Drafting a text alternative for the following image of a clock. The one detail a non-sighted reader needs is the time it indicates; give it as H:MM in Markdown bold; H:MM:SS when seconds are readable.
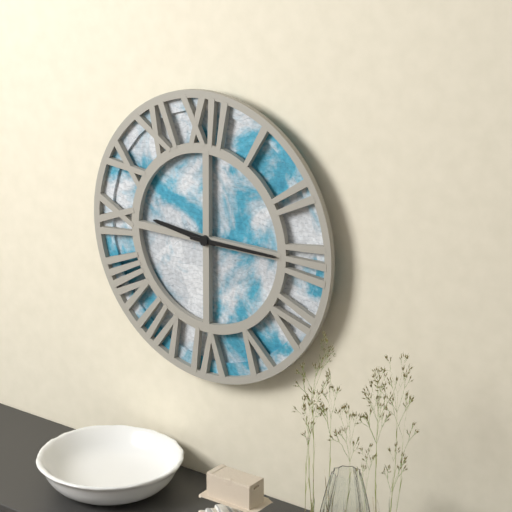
**9:15**
